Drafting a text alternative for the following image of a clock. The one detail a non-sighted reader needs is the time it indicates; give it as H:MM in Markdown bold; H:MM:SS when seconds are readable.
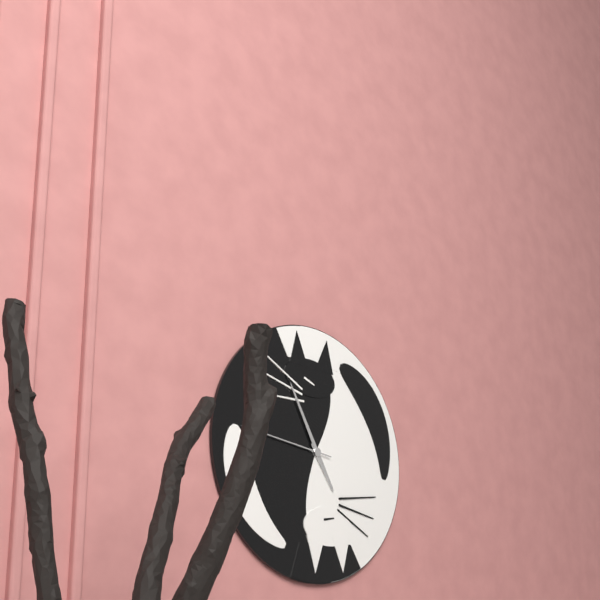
**4:55:46**
